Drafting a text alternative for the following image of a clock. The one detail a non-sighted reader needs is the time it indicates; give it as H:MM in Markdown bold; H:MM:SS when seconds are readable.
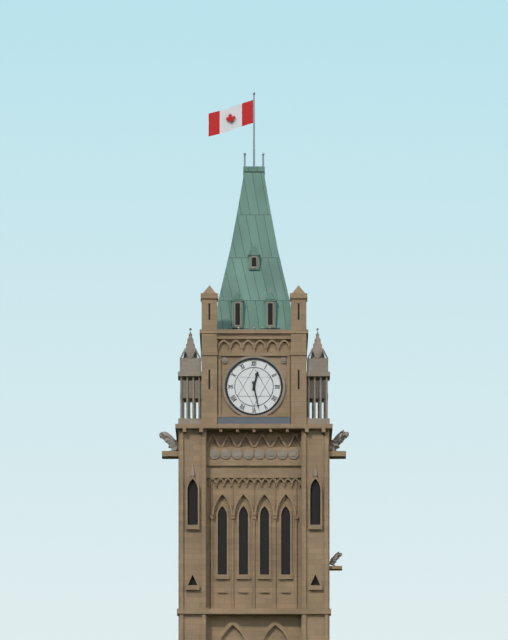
**12:28**
